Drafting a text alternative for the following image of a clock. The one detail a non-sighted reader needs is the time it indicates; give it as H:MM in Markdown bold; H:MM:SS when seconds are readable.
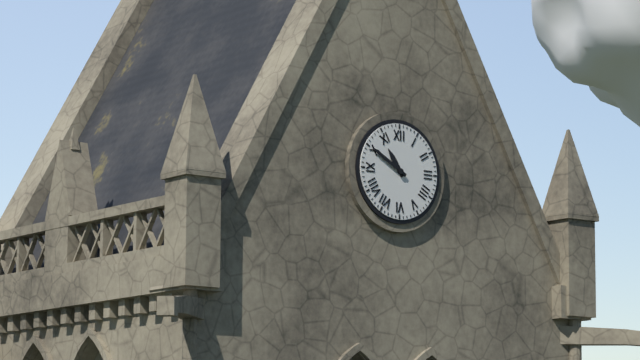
**10:50**
